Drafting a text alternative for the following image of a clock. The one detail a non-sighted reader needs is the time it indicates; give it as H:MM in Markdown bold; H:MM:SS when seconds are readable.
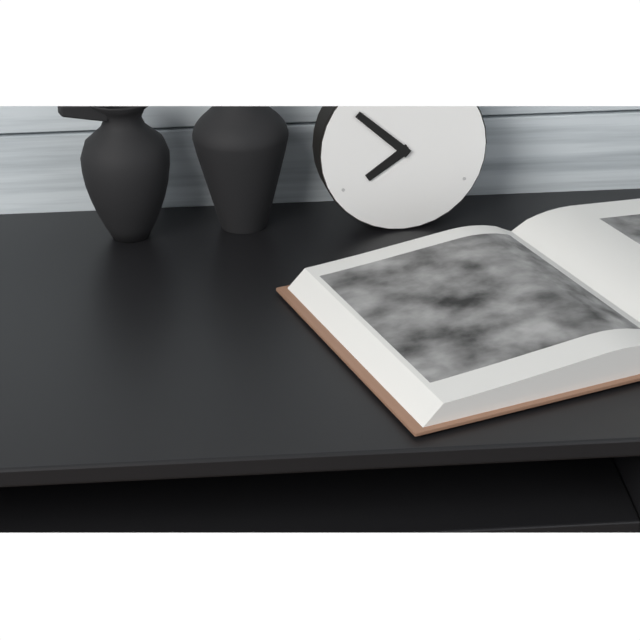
**7:52**
